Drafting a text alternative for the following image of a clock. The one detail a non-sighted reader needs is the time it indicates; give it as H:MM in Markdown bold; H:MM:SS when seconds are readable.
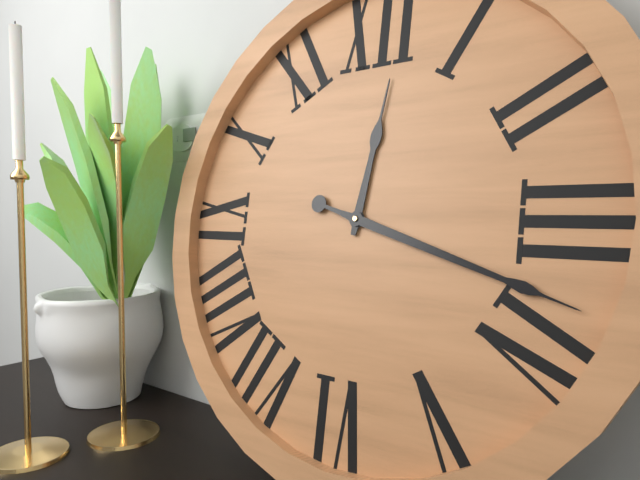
**12:18**
